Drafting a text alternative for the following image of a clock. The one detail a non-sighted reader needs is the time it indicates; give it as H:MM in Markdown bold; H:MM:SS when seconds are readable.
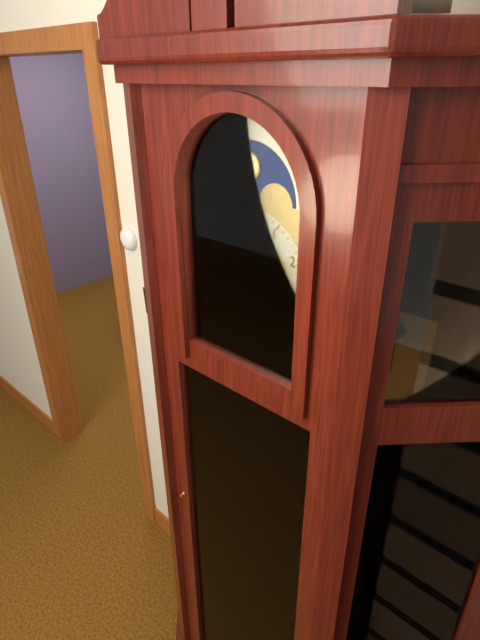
**6:59**
